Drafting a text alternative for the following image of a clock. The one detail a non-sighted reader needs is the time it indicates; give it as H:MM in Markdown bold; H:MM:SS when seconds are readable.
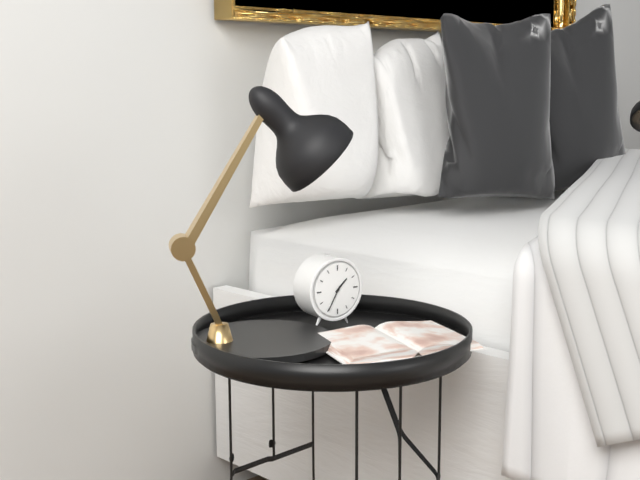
**1:35**
